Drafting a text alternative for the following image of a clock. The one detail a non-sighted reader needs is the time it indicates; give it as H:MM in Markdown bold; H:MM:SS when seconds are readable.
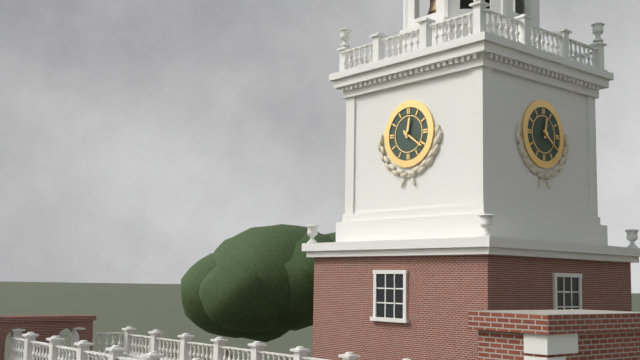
**12:21**
